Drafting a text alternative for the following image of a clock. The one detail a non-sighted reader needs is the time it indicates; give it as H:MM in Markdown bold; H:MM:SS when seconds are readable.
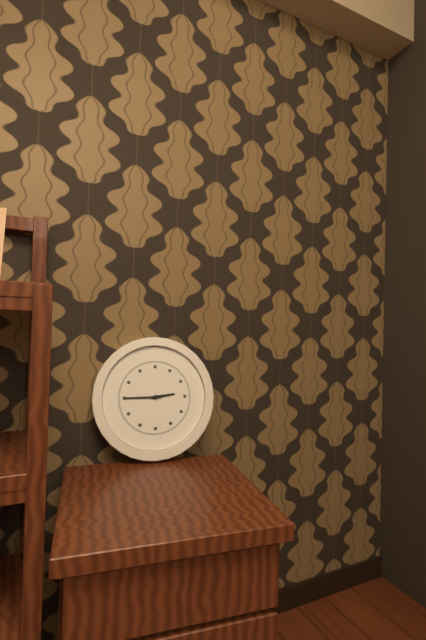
**2:45**
